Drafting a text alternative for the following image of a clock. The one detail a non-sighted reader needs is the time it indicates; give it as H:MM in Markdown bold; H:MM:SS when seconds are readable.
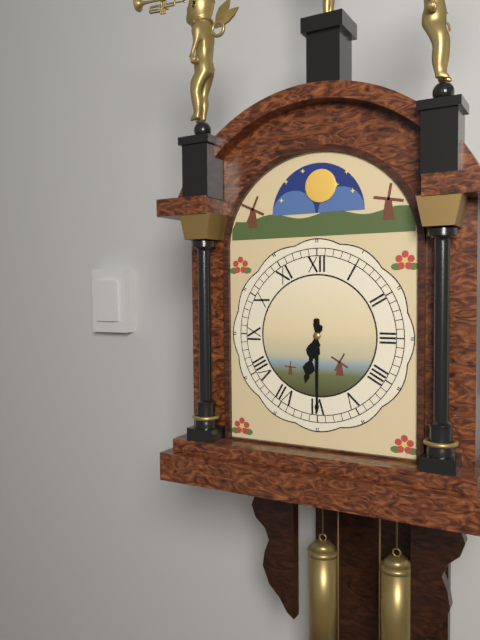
**6:30**
